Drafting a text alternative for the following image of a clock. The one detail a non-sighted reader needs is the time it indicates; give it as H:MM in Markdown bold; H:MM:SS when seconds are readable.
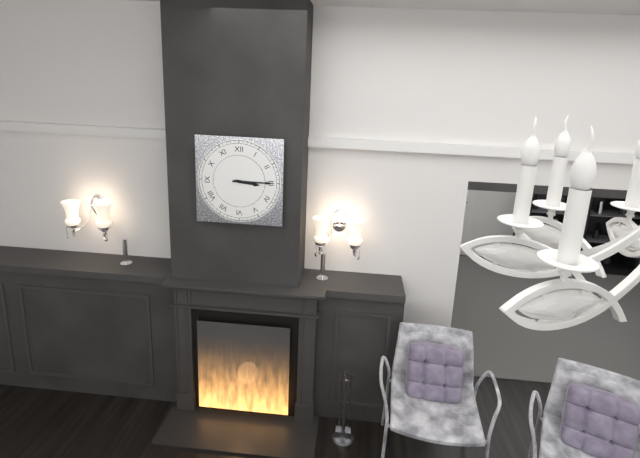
**3:15**
